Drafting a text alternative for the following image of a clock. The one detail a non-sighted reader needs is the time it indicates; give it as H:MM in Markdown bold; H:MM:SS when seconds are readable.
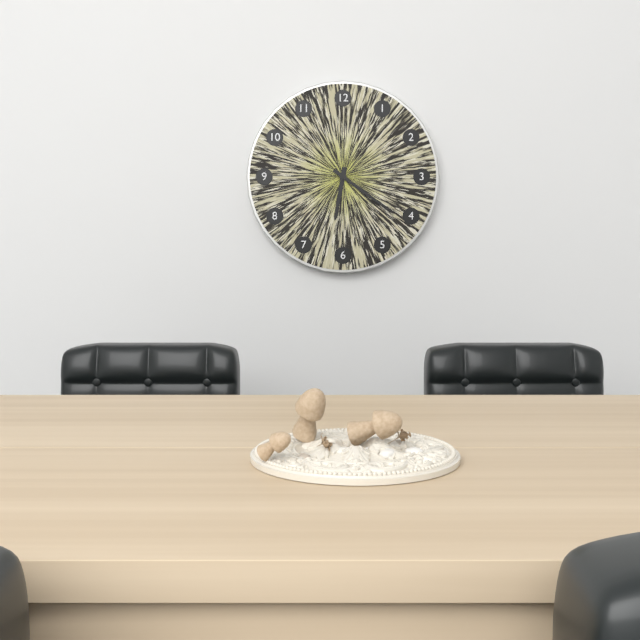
**6:21**
